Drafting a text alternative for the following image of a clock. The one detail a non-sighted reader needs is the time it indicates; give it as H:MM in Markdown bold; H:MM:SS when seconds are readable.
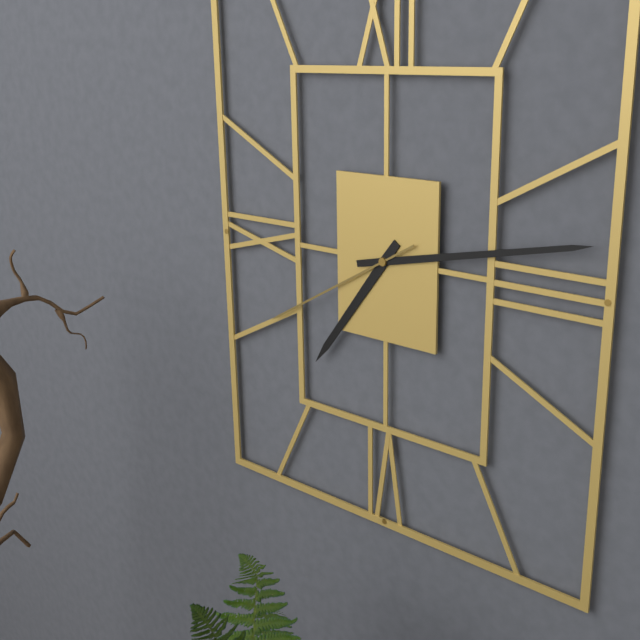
**7:13:40**
